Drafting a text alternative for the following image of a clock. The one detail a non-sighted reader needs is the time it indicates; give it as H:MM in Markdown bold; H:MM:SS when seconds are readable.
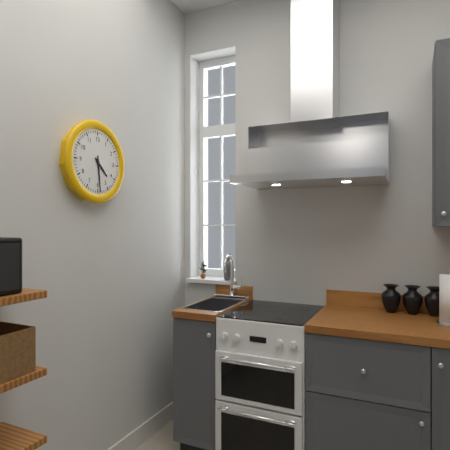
**4:29**
